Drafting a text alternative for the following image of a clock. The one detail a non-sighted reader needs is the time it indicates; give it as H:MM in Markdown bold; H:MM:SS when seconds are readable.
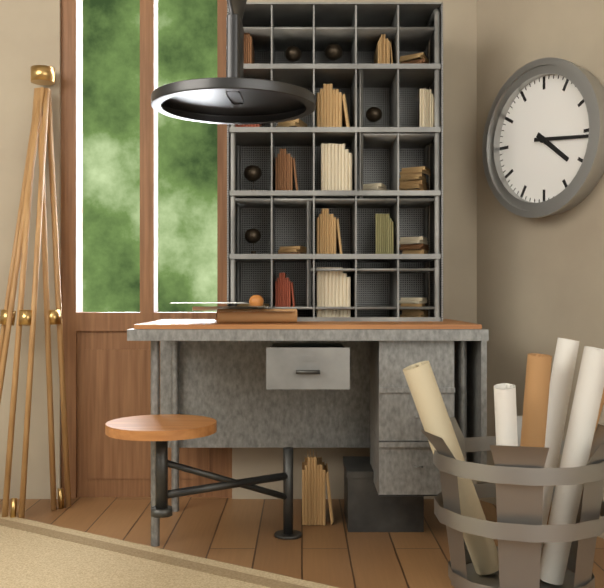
**4:16**
